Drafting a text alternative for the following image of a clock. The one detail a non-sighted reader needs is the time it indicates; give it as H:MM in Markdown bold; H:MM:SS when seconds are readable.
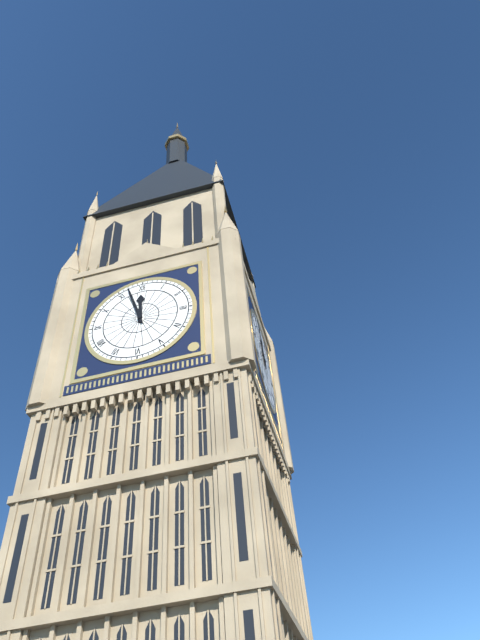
**11:57**
